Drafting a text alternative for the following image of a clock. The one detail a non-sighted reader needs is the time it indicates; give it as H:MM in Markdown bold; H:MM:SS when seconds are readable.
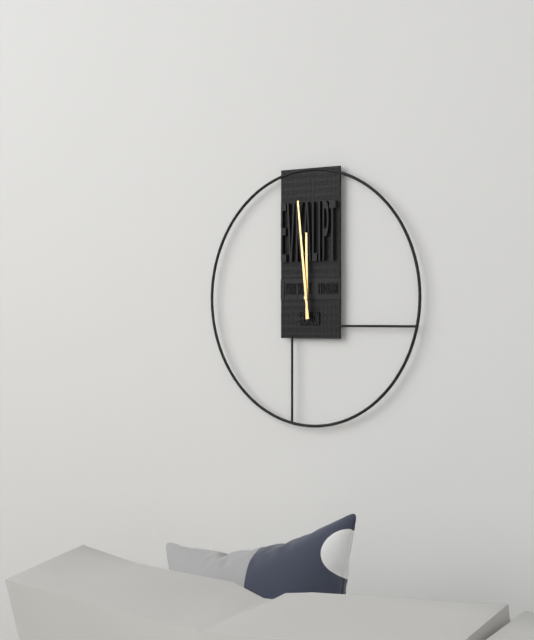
**11:59**
